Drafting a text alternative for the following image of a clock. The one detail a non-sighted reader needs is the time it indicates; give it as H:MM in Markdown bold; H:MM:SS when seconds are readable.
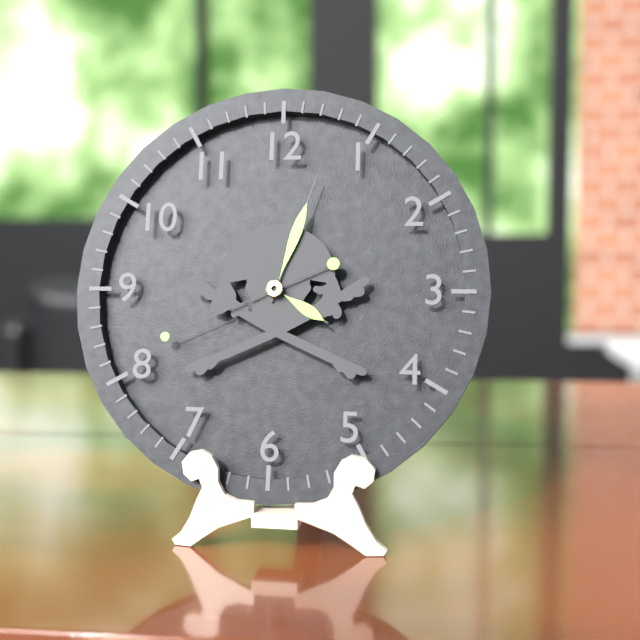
**4:03:41**
